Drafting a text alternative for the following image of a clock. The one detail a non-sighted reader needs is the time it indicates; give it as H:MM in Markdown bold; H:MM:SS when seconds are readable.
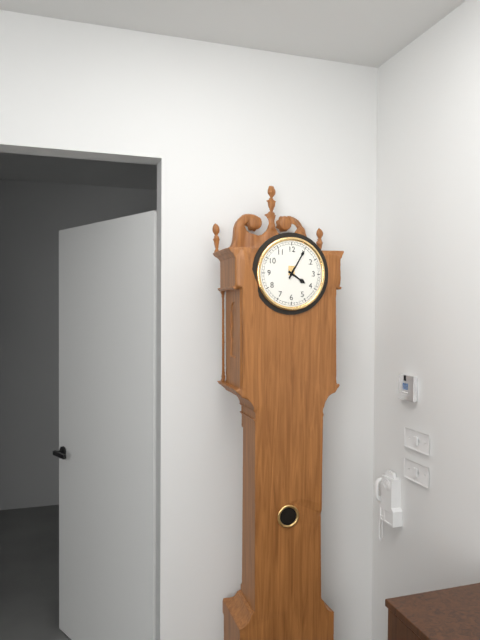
**4:05**
